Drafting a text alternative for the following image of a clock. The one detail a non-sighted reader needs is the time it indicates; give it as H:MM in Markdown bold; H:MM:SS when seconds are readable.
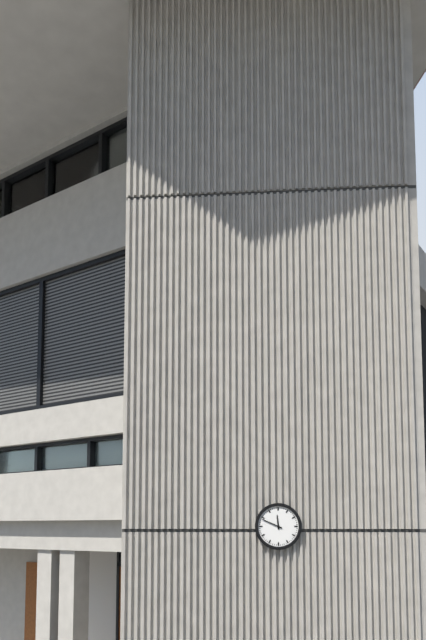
**11:49**
